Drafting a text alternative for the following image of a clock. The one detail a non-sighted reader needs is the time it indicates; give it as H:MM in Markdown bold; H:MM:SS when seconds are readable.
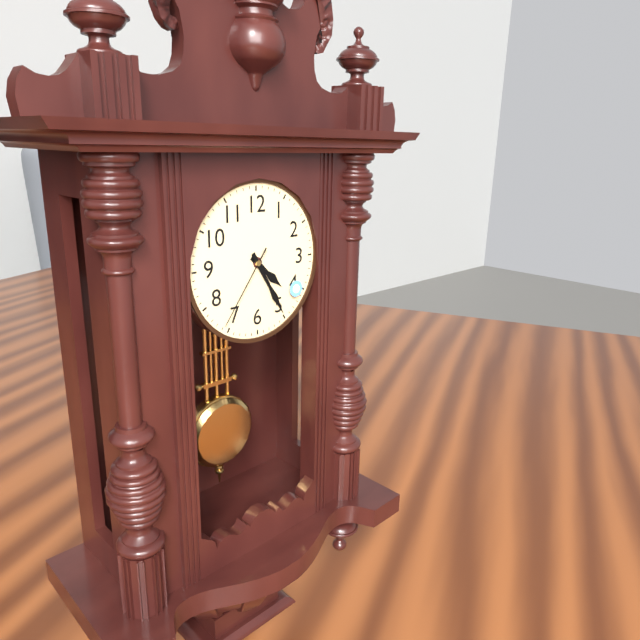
**4:25:36**
